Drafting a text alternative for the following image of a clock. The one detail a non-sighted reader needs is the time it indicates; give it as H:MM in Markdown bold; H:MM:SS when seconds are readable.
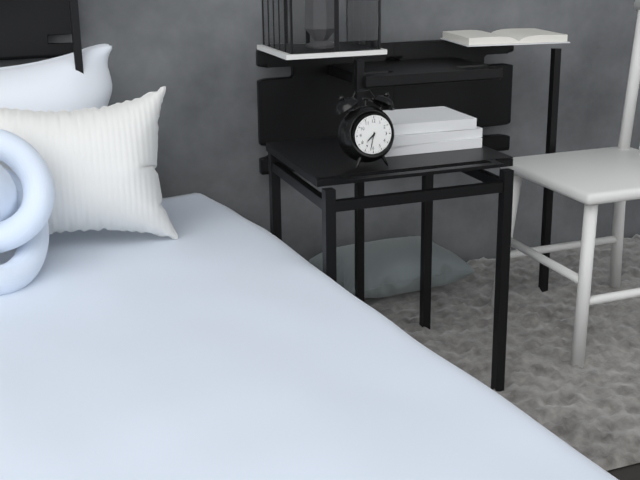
**7:32**
